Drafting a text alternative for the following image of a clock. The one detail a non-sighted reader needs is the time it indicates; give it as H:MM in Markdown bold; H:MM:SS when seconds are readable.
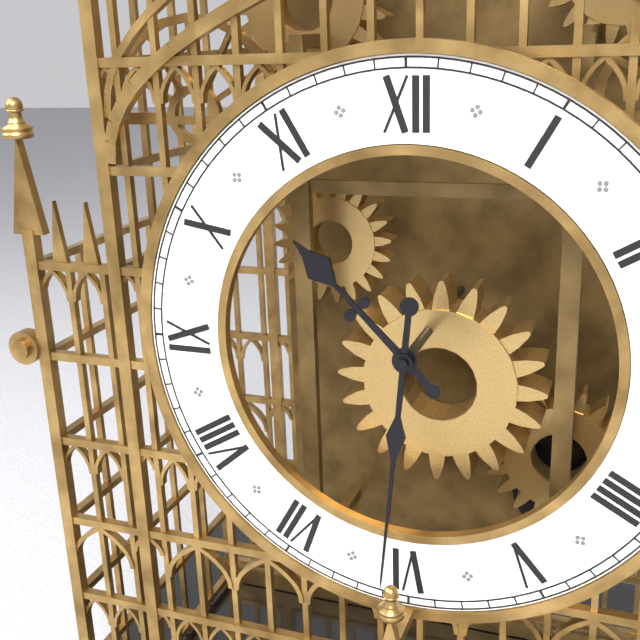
**10:31**
